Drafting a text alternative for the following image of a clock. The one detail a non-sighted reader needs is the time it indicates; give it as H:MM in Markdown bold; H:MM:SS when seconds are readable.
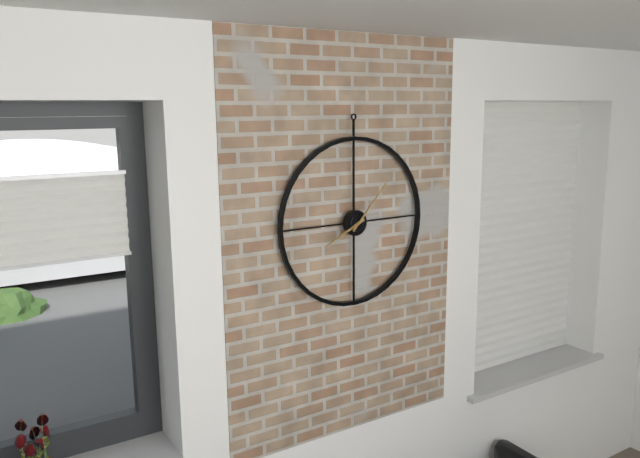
**8:07**
